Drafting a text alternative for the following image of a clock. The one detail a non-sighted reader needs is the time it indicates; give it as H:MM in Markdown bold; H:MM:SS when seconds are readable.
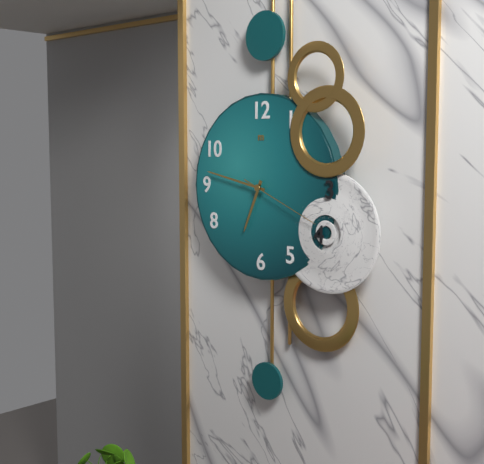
**6:47:19**
